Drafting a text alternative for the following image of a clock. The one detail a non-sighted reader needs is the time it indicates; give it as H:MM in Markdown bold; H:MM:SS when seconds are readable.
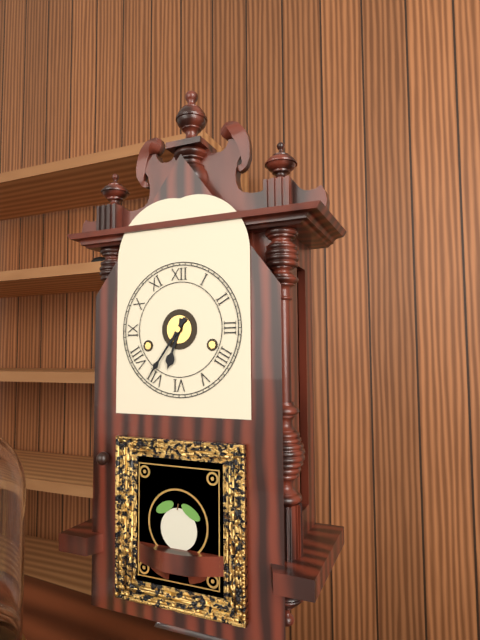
**6:36**
